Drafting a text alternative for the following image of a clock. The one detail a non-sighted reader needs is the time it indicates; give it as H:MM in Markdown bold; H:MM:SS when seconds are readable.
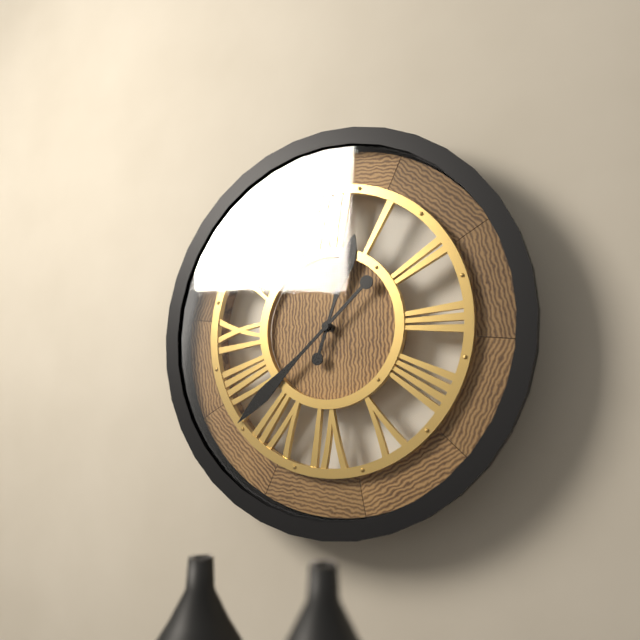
**12:38**
